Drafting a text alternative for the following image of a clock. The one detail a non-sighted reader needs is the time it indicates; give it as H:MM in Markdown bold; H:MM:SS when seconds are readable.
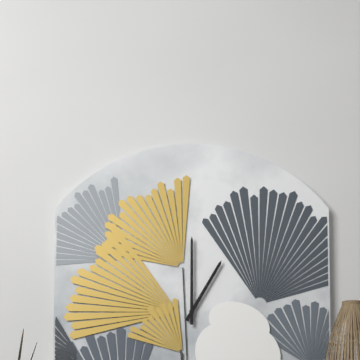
**1:00**
